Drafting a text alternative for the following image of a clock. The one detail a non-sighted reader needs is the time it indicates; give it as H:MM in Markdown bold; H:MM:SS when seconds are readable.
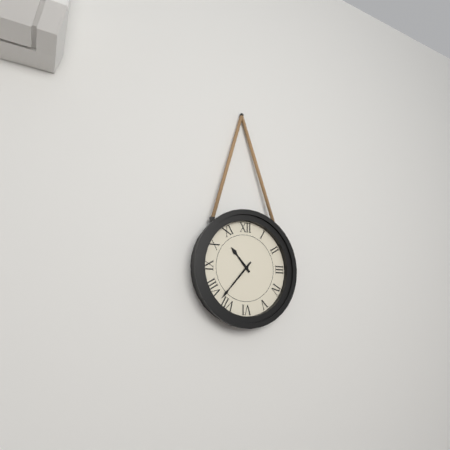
**10:37**
